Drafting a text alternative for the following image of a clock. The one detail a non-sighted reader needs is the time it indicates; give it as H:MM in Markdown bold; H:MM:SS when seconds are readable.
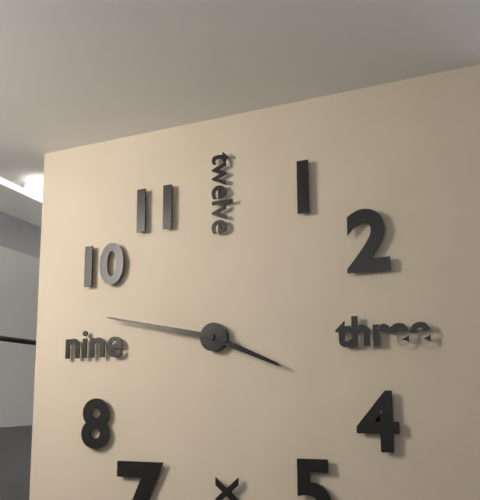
**3:47**
